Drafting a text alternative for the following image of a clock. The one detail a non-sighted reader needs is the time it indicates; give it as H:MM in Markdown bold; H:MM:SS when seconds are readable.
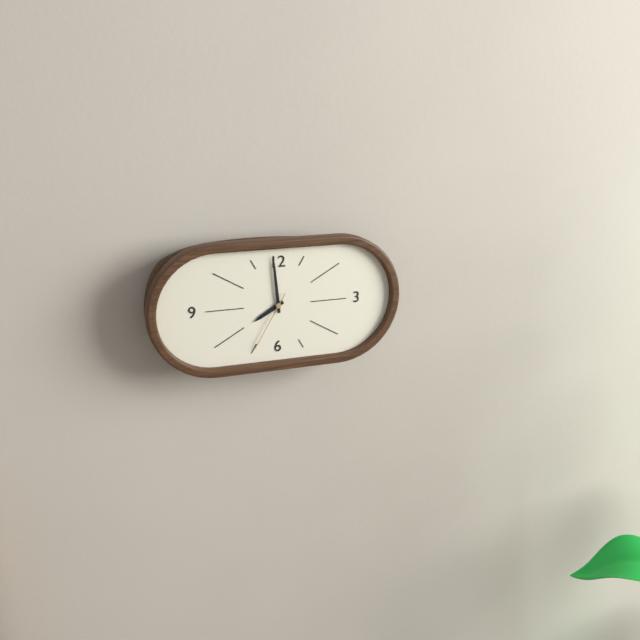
**7:59:35**
